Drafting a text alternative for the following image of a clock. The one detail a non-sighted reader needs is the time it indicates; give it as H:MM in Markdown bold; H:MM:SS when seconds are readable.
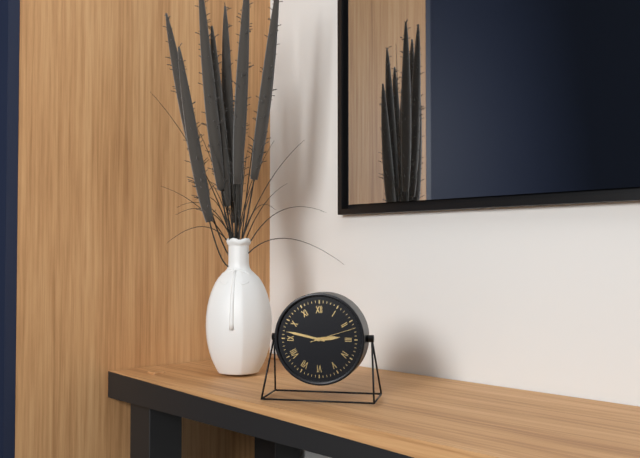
**2:47**
